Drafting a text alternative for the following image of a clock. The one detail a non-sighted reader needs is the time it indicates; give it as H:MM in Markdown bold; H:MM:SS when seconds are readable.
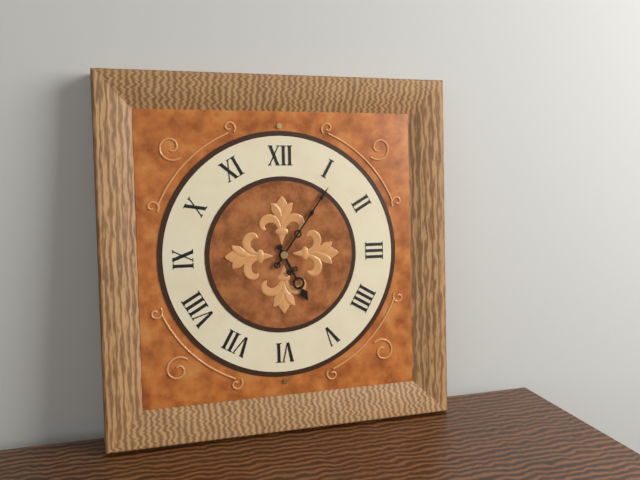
**5:06**
